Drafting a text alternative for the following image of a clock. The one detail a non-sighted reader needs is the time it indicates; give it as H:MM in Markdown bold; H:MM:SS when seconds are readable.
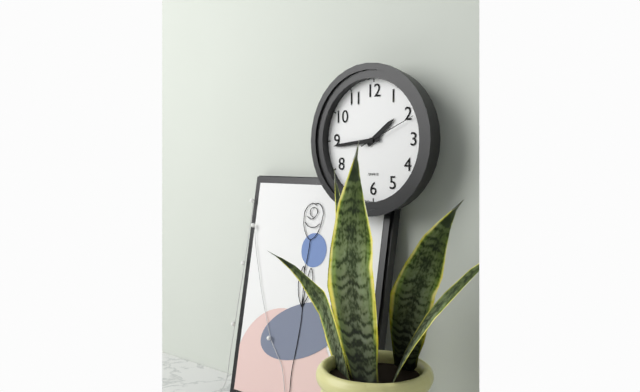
**1:44:11**
